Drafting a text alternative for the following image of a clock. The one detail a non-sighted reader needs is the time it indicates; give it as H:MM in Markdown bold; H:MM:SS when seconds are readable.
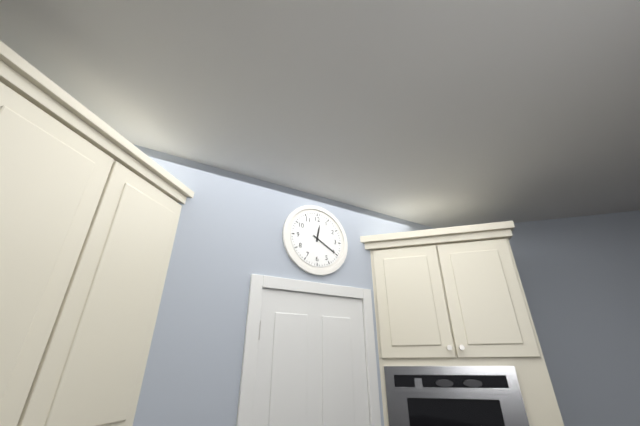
**12:20**
